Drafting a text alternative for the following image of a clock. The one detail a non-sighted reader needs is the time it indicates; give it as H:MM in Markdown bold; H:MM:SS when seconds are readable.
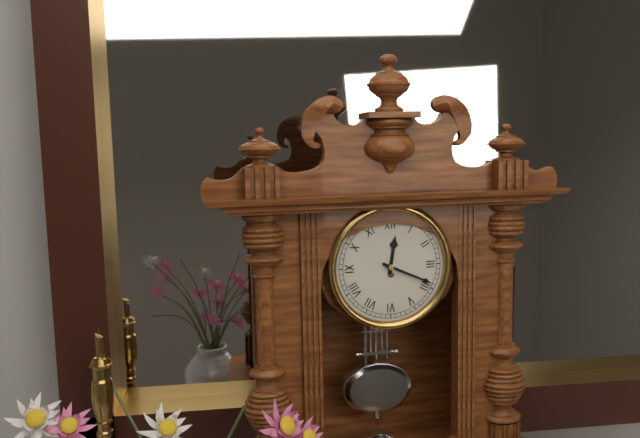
**12:19**
